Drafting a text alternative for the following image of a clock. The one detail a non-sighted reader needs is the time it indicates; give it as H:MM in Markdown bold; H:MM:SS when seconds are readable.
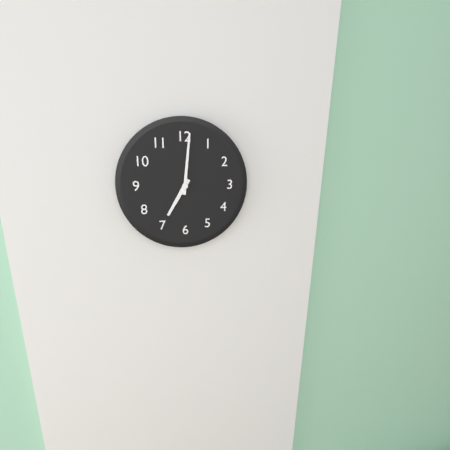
**7:01**
